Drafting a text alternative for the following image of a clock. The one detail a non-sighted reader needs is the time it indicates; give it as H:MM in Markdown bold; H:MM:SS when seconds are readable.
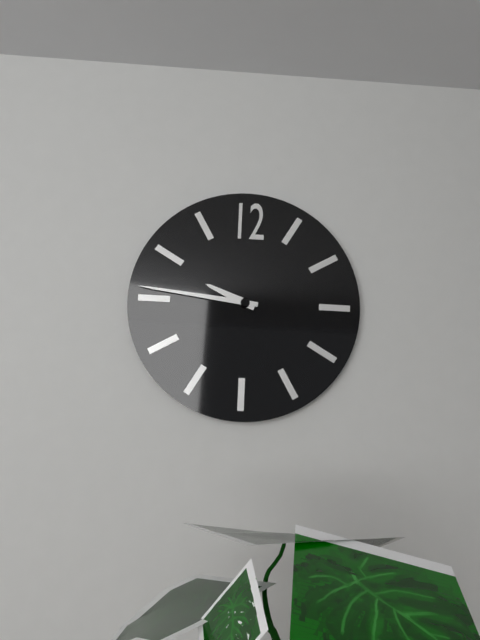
**9:46**
